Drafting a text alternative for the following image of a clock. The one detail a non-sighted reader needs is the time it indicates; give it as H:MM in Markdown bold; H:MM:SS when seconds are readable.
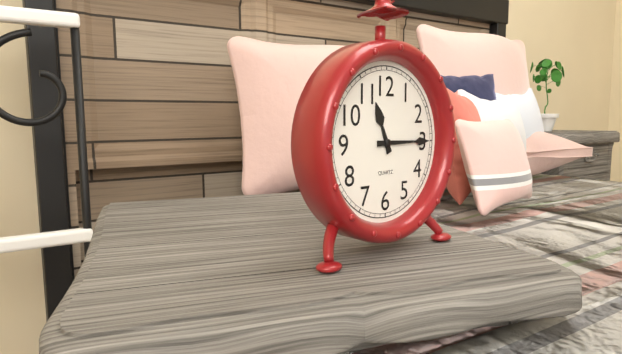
**11:15**
